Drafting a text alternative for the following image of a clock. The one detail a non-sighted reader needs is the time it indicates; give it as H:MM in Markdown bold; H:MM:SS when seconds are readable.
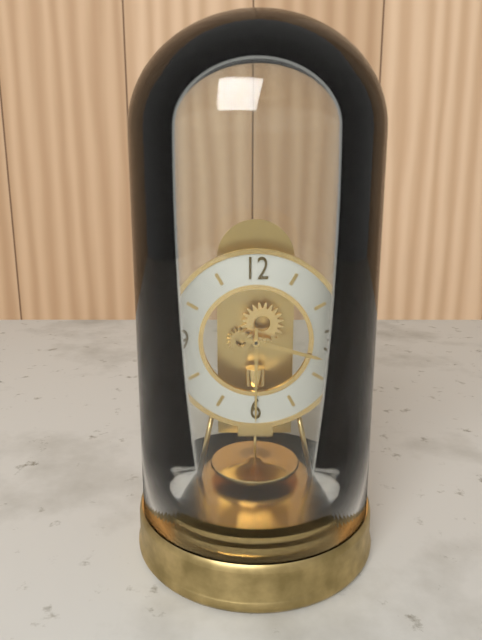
**3:30**
